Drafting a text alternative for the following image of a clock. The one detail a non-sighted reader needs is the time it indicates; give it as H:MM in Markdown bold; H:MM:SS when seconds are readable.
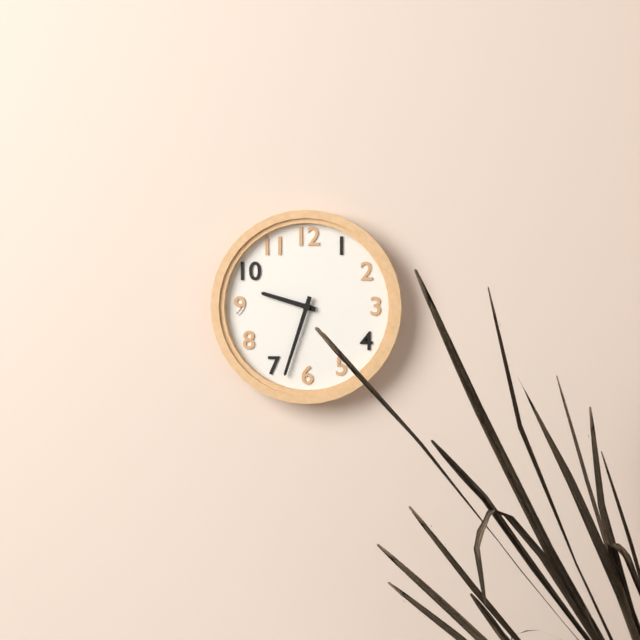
**9:33**
